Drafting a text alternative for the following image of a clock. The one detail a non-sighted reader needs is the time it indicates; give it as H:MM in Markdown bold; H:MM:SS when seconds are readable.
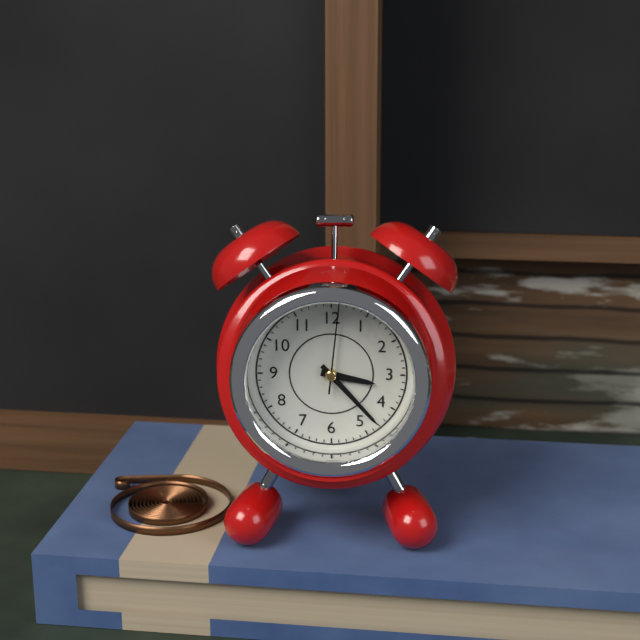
**3:23:01**
